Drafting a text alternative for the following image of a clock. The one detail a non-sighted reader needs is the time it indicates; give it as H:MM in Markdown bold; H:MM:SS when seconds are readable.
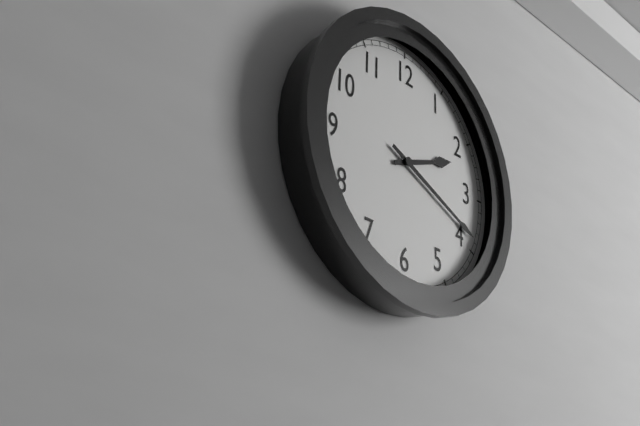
**2:19**
